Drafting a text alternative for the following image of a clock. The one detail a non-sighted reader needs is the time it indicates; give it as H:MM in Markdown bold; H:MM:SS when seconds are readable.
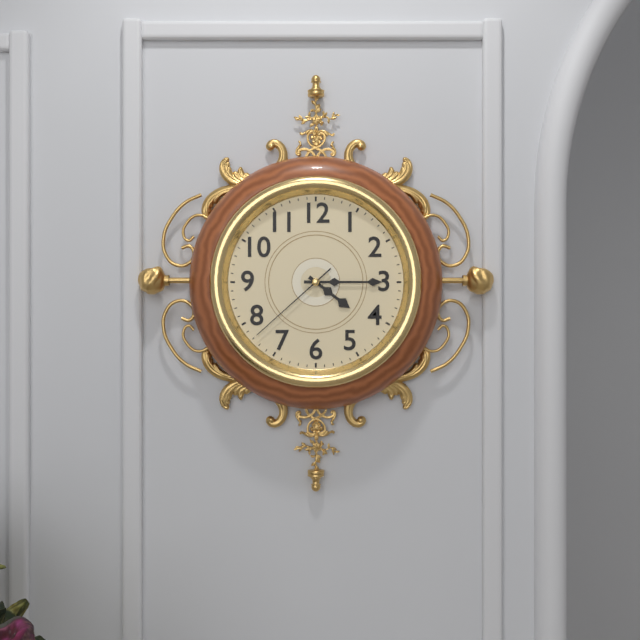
**4:15:38**
